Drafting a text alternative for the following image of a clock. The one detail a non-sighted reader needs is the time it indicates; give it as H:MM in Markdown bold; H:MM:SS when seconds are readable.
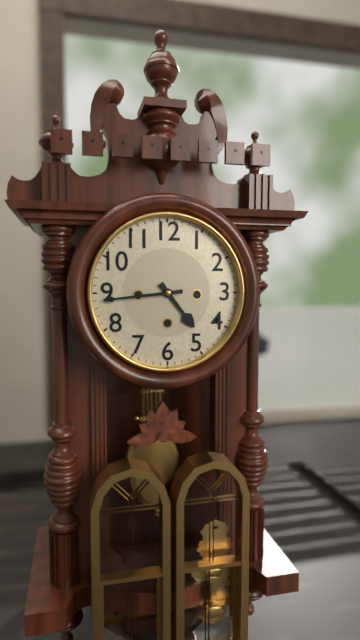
**4:44**
